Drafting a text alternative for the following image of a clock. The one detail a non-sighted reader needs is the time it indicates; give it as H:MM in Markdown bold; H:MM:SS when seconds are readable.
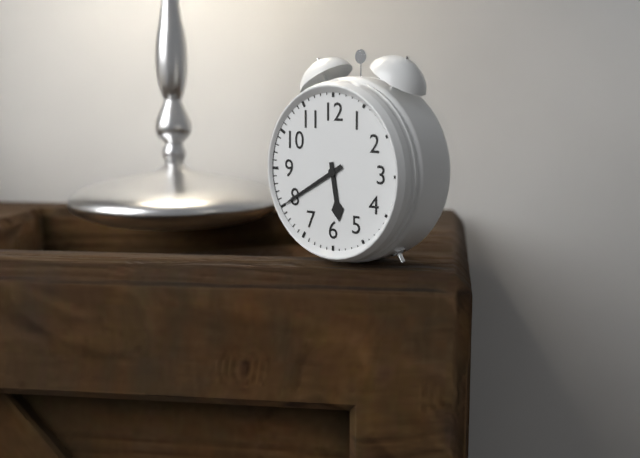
**5:40**
